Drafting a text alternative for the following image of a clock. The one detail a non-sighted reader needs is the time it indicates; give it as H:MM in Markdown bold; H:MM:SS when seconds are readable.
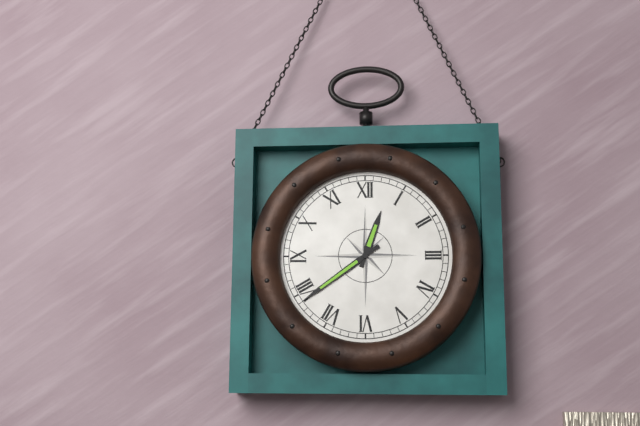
**12:39**
